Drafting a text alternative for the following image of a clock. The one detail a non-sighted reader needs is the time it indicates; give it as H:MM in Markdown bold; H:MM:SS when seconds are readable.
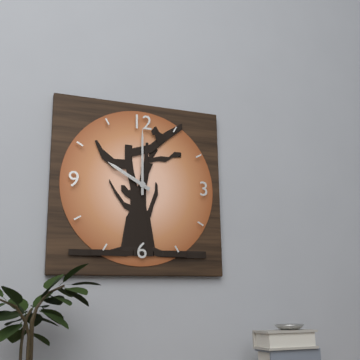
**10:00**
